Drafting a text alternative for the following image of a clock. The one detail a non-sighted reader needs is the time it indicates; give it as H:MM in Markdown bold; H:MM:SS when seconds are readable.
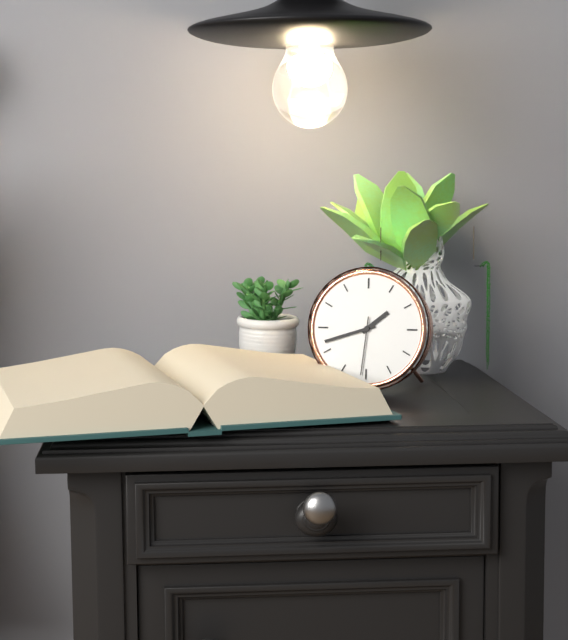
**1:42:31**
